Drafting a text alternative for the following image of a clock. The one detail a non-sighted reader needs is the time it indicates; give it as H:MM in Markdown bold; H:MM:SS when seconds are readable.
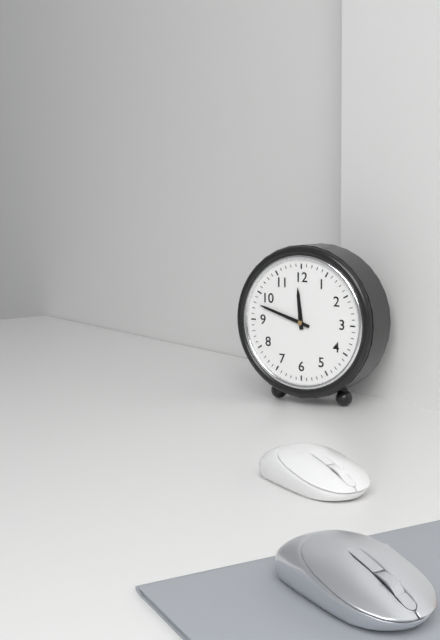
**11:48**
